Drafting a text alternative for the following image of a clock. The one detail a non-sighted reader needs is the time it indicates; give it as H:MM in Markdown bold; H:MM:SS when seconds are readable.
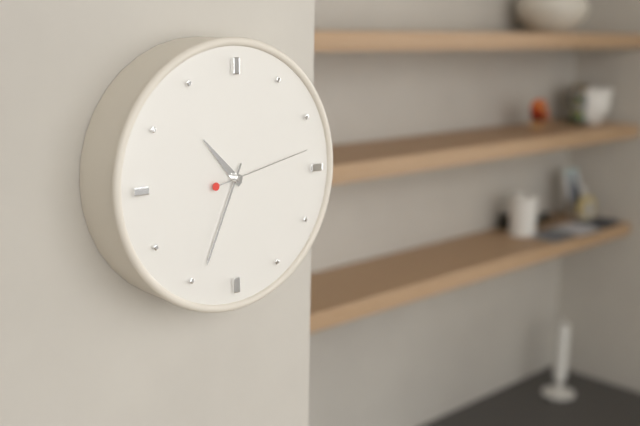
**10:34:13**
